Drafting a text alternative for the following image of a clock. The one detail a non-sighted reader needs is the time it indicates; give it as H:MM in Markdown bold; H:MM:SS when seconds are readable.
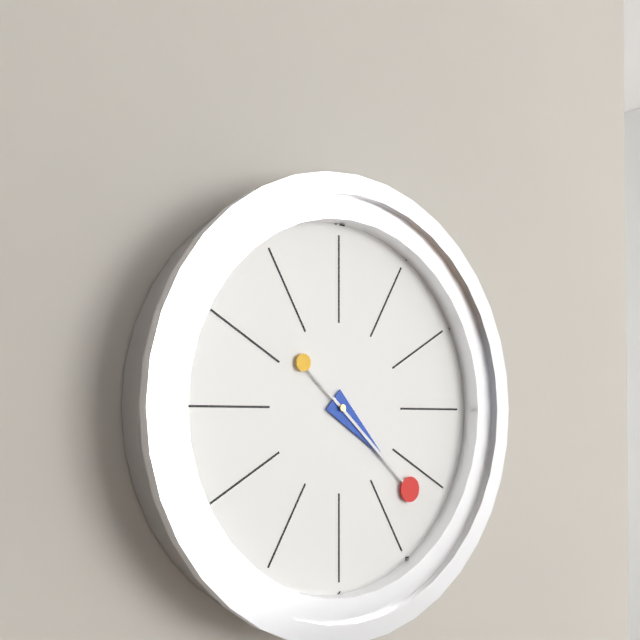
**4:22**
